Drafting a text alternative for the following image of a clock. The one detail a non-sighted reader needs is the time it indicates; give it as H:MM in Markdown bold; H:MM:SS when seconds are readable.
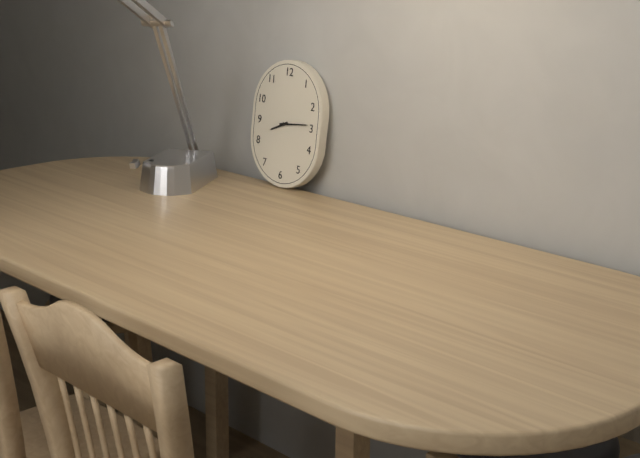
**8:14**
